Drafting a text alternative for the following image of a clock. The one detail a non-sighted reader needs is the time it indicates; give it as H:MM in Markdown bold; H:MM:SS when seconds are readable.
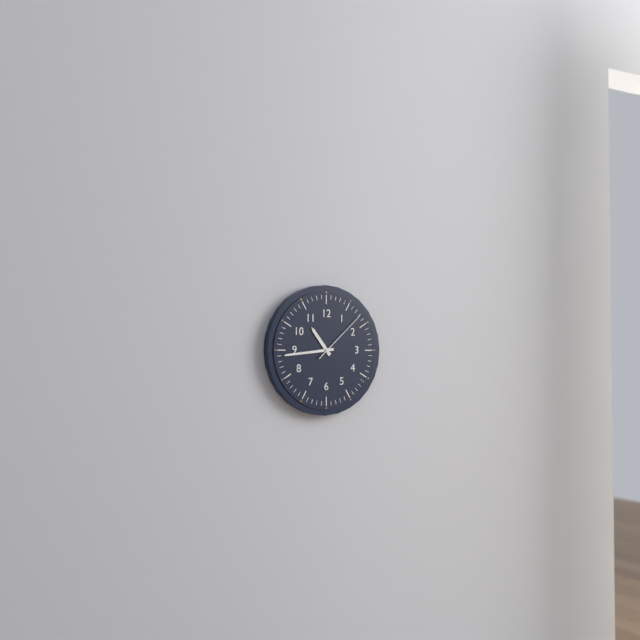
**10:44:08**
